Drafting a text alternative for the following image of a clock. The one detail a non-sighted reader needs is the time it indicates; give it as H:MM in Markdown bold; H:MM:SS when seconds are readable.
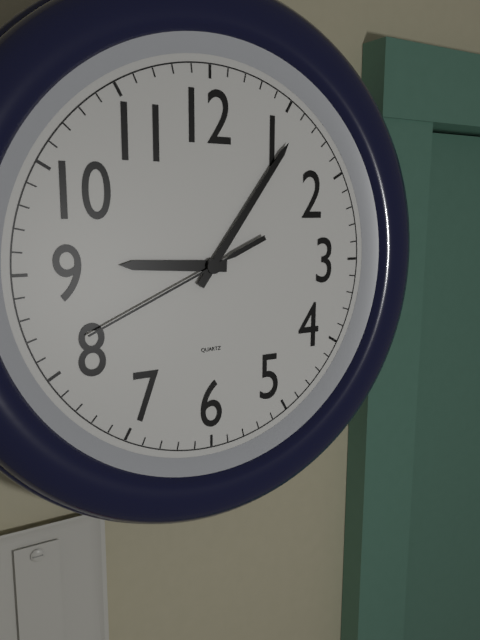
**9:06:41**
